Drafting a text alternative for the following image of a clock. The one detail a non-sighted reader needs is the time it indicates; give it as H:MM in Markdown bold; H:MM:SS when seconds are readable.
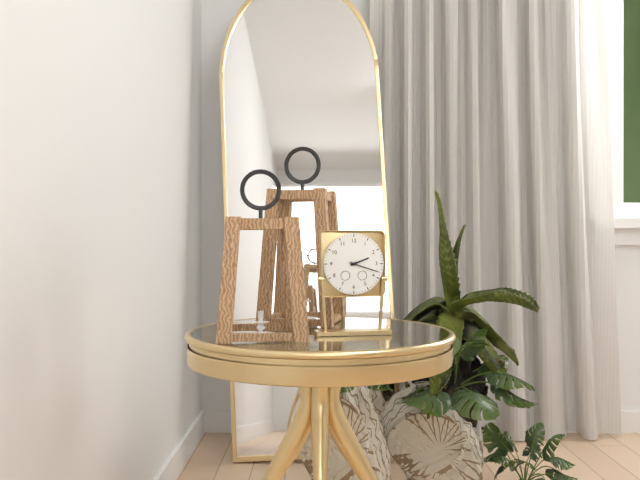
**2:18**
